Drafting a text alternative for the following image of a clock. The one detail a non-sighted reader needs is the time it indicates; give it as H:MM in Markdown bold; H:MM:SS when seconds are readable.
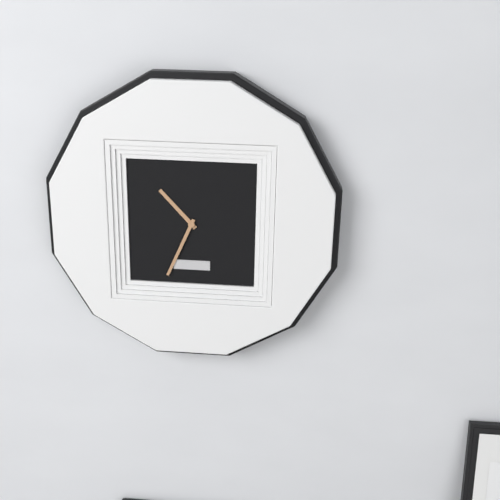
**10:34**
